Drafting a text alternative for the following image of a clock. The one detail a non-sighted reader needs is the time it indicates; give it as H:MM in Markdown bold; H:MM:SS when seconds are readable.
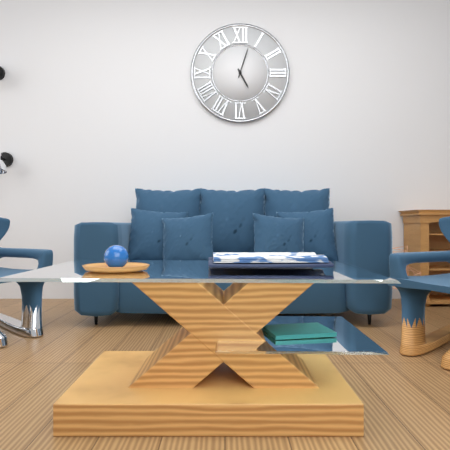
**5:03**
